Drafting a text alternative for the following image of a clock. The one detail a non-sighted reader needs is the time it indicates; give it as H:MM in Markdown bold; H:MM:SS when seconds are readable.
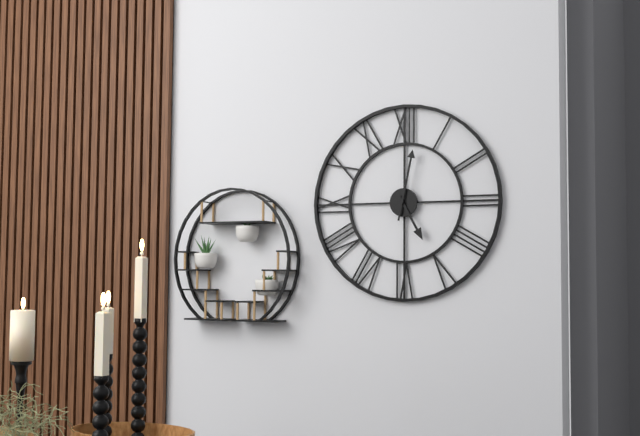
**5:02**
